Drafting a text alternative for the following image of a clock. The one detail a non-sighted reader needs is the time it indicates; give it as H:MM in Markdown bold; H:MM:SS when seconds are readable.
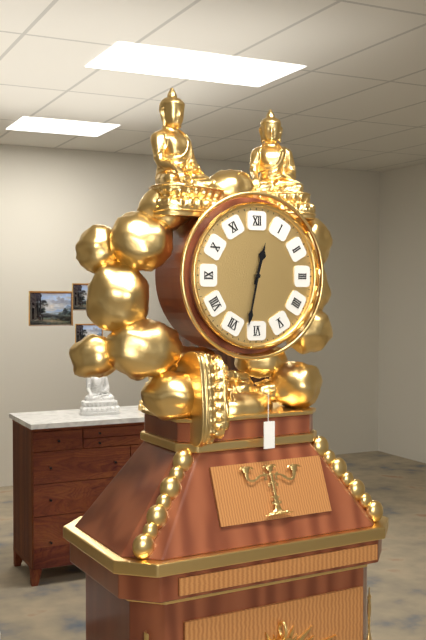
**12:32**
